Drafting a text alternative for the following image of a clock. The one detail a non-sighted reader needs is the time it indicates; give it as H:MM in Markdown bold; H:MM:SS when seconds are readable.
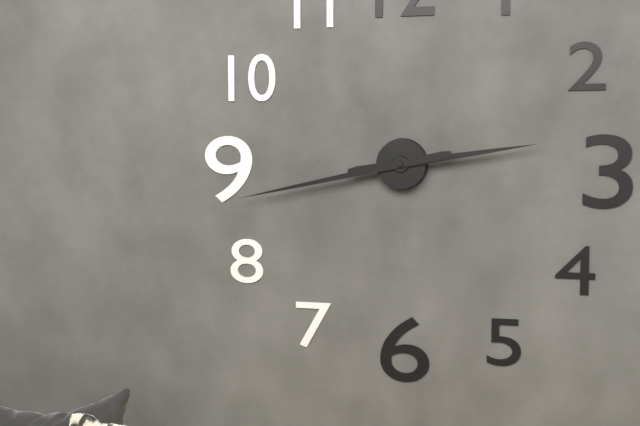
**2:43**
